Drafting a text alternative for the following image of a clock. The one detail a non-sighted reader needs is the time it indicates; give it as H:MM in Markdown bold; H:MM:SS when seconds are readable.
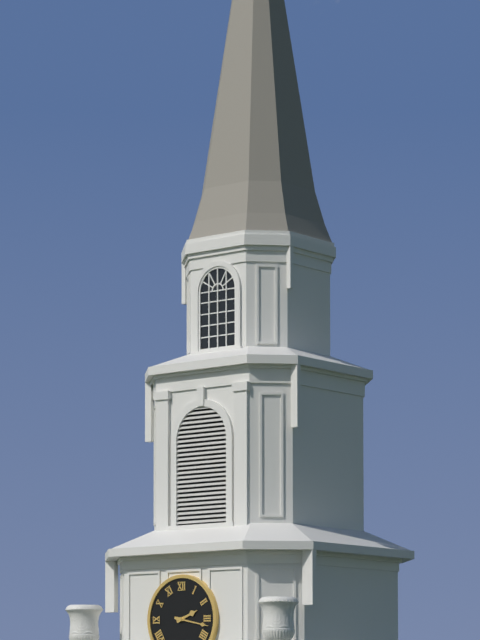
**2:17**
